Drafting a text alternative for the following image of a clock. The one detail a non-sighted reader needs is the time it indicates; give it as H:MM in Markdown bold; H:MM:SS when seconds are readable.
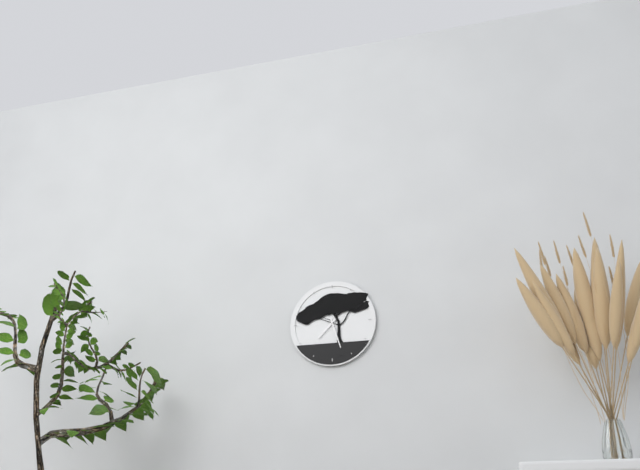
**7:27**
